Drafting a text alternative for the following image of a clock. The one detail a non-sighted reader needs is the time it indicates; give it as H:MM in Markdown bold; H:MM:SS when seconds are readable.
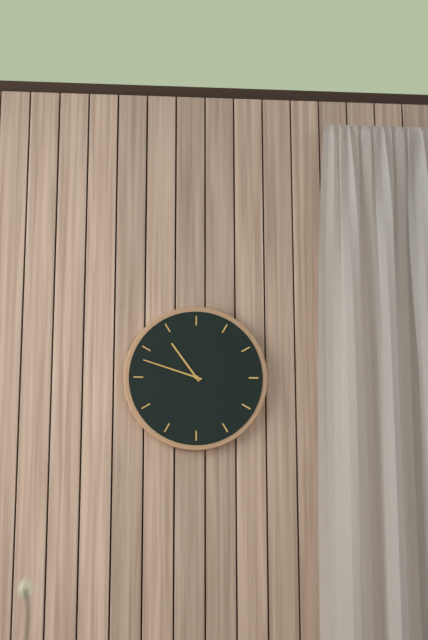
**10:48**
